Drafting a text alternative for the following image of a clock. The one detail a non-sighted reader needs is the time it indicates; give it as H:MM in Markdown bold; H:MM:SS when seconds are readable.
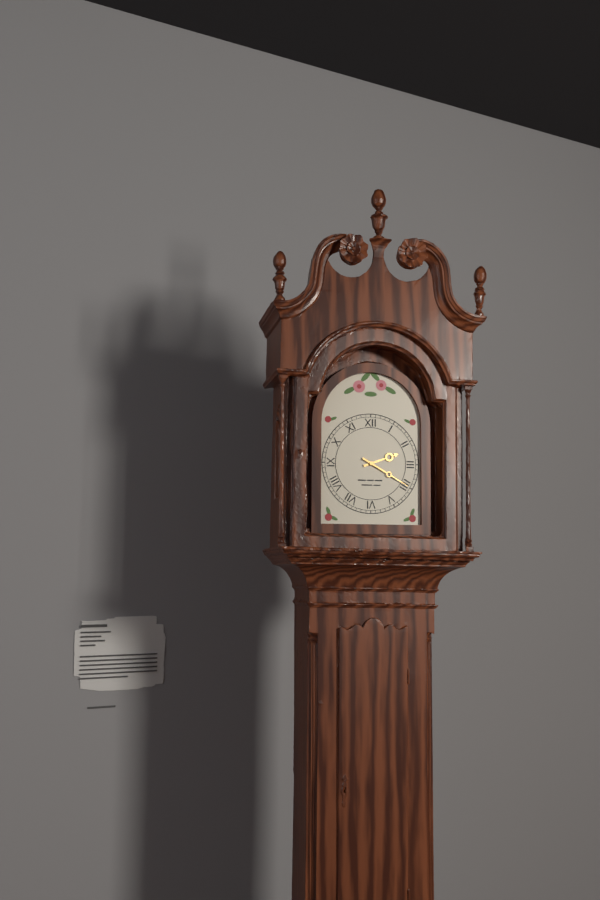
**2:20**
